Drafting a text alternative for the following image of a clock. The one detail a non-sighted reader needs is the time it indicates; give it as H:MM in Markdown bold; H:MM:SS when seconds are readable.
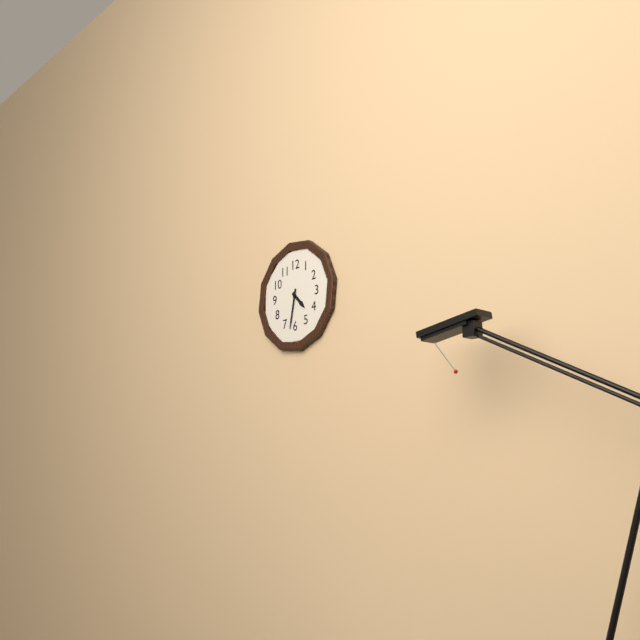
**4:32**
